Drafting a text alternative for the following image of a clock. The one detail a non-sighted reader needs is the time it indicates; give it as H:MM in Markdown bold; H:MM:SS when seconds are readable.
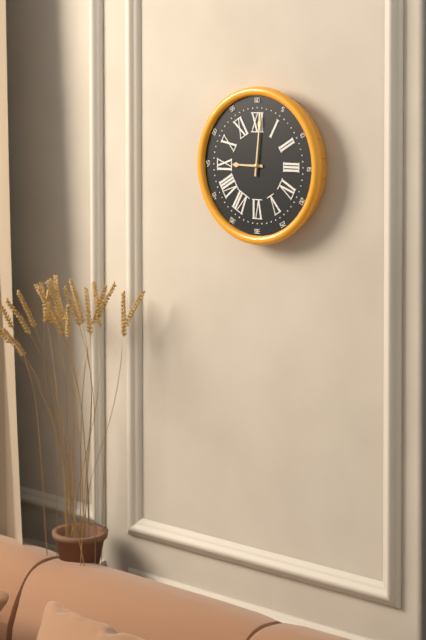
**9:01**
